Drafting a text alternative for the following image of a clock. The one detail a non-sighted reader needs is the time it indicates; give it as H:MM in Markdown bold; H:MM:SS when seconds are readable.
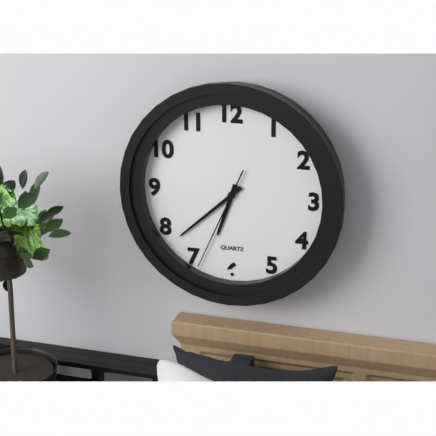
**6:38:34**
